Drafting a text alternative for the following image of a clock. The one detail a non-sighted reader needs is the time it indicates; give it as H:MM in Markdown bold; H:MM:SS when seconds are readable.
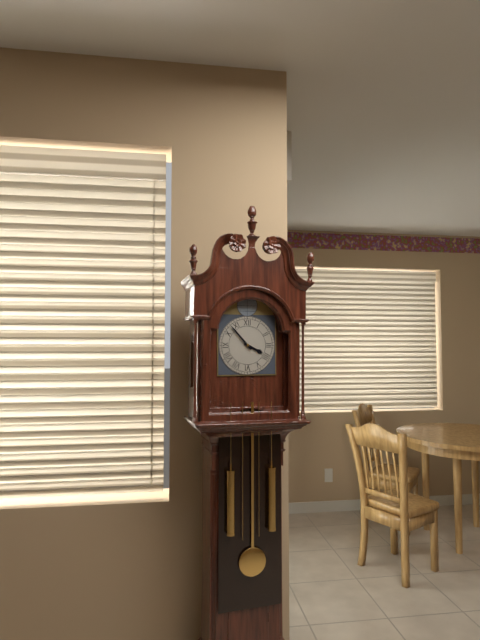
**3:53**
